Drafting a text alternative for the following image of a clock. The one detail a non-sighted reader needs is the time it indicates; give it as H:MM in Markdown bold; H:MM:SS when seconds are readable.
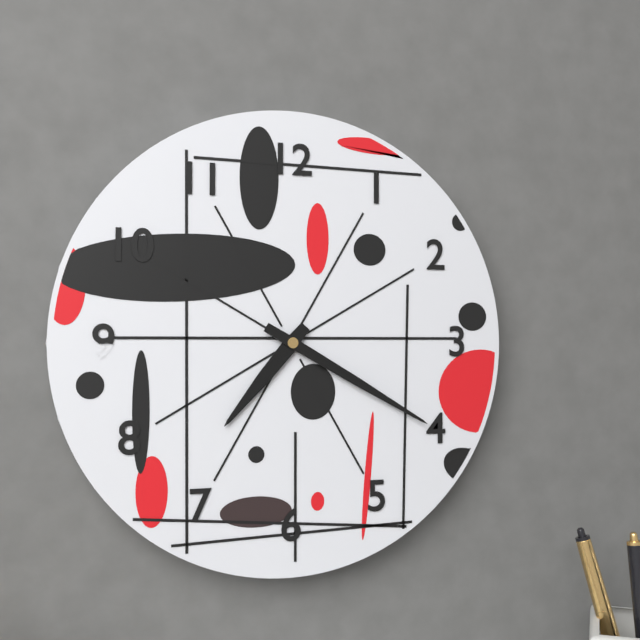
**7:20**
